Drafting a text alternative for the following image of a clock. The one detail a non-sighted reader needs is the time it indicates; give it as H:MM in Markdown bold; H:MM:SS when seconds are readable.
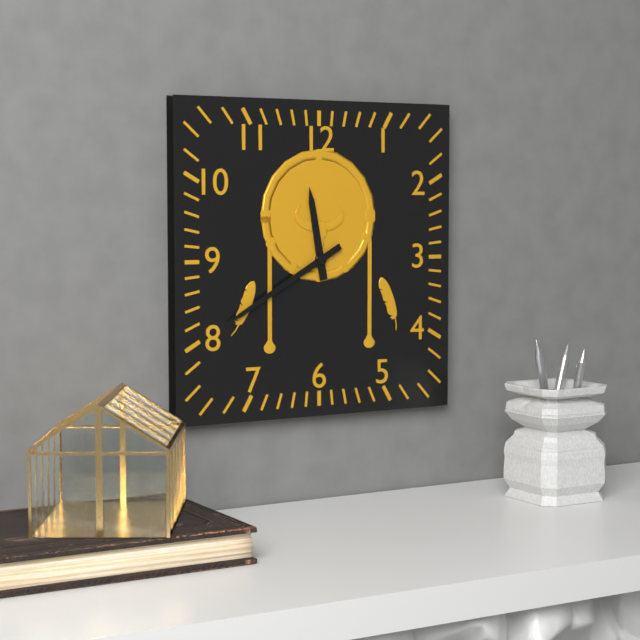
**11:40**
